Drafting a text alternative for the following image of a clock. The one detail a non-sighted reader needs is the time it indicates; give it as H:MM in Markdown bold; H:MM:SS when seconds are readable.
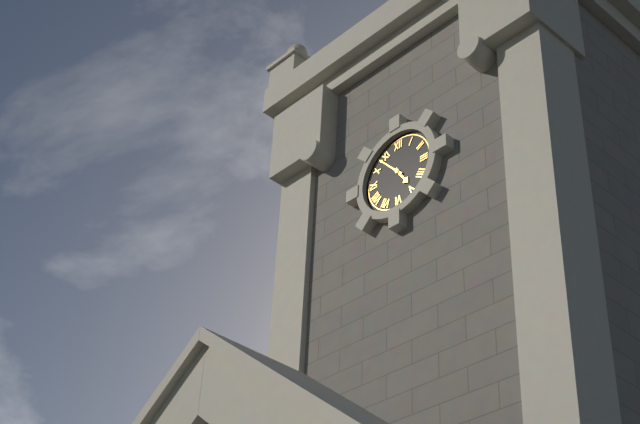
**4:53**
